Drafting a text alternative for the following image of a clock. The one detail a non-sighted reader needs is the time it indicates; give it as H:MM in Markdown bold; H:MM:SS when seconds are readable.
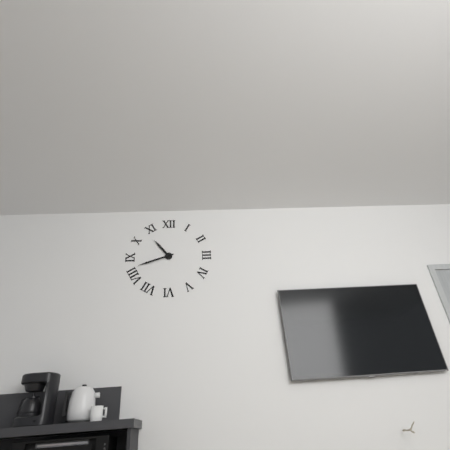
**10:42**
